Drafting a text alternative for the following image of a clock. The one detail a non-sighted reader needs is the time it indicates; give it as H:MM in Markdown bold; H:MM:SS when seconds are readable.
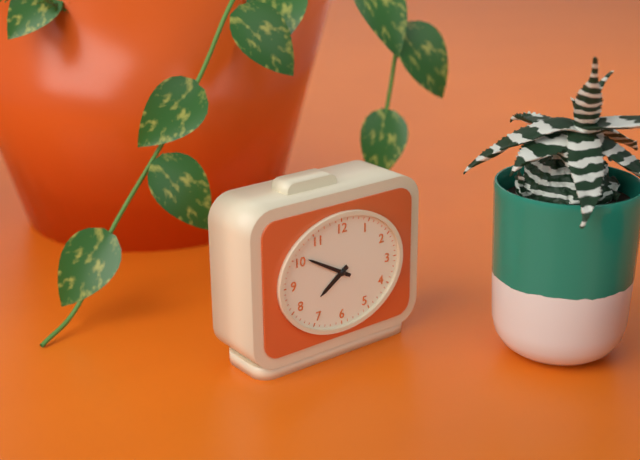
**7:50**
